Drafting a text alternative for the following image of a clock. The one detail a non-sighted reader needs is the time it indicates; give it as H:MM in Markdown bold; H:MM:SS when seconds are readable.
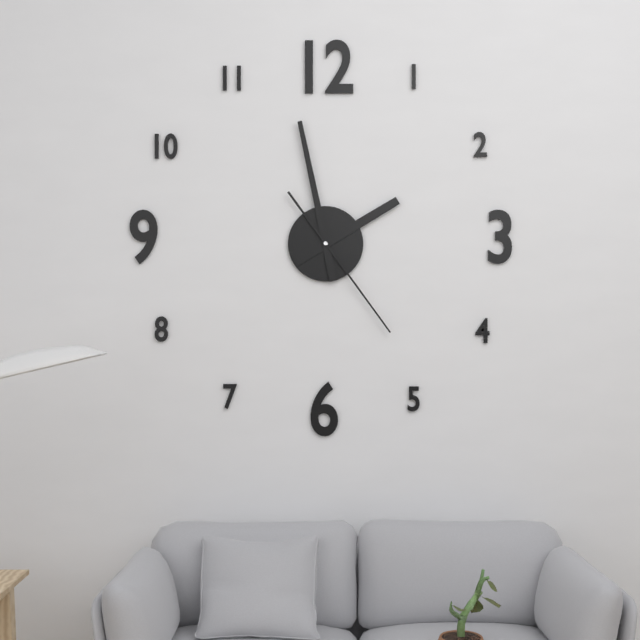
**1:58:24**
